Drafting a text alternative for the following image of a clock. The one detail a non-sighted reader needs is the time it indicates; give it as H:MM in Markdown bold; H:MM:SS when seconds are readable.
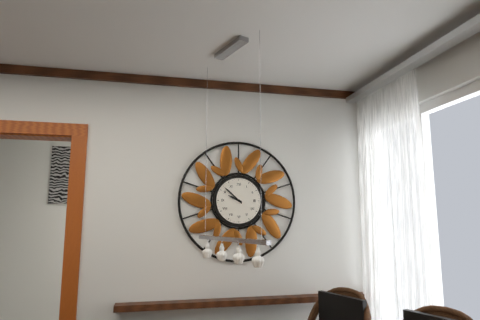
**9:52**
